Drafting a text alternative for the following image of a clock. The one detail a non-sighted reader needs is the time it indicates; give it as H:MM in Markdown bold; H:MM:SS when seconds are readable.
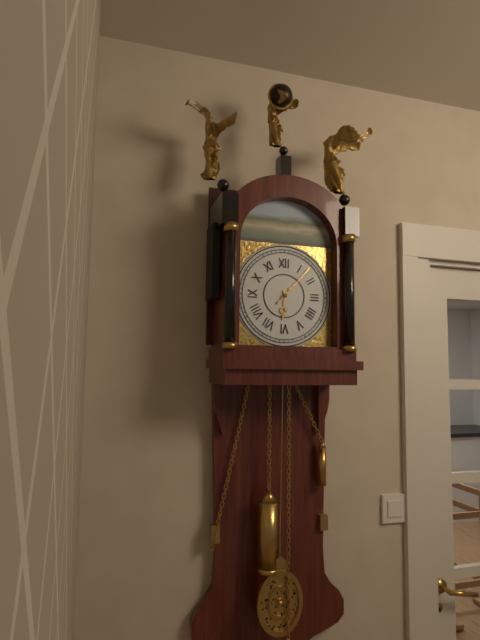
**6:07**
